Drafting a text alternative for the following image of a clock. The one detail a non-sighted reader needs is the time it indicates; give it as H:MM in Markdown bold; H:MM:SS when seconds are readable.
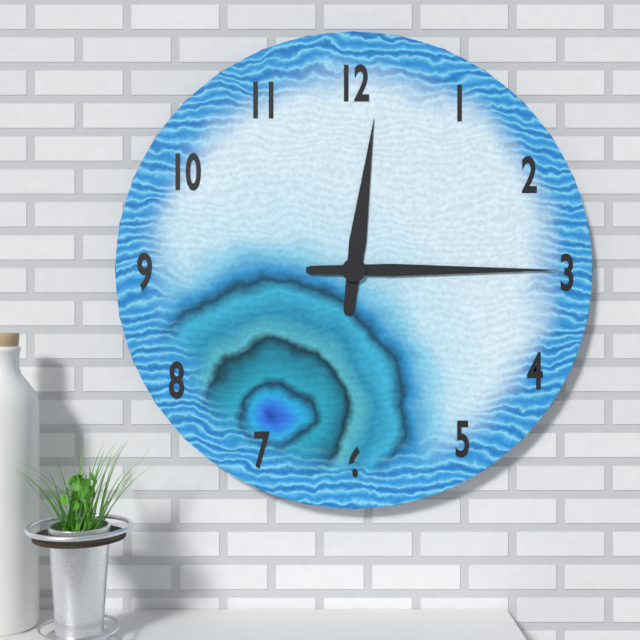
**12:15**
